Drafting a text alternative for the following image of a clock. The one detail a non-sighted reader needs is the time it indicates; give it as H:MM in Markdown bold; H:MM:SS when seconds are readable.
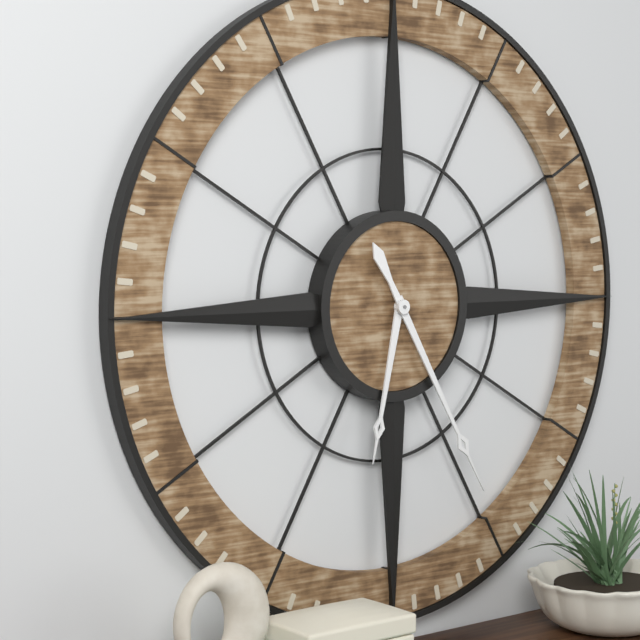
**6:25**
